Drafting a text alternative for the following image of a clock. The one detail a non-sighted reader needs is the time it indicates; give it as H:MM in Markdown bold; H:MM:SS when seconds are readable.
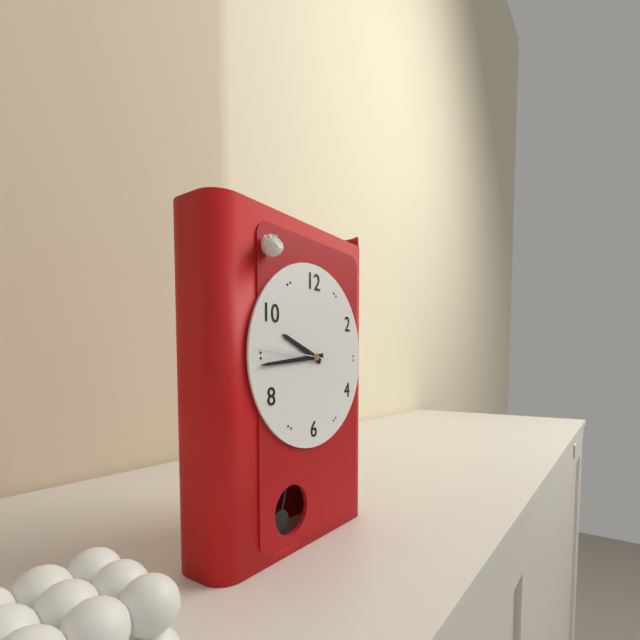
**9:44:46**
